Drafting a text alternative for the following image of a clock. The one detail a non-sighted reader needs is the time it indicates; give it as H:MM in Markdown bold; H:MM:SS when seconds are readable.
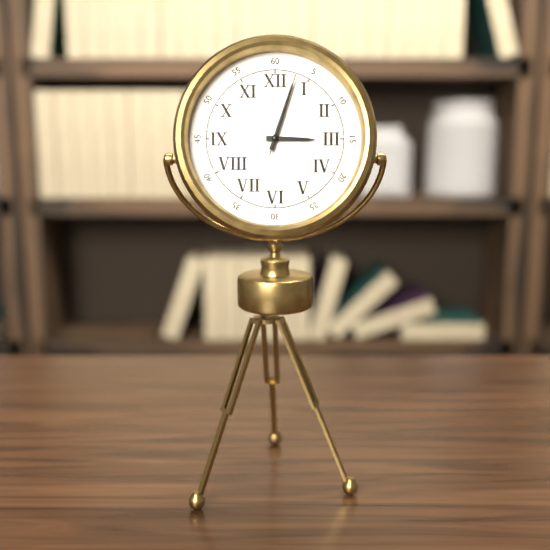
**3:03:03**
